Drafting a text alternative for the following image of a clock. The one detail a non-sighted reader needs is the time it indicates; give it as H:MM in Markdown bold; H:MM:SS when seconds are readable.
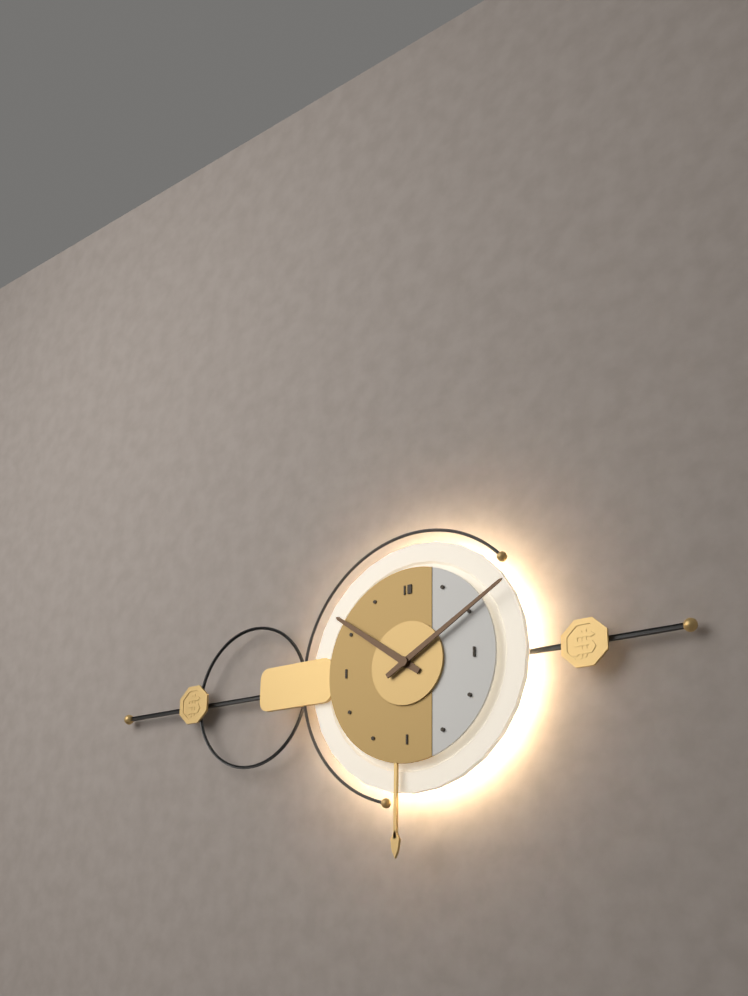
**10:10**
